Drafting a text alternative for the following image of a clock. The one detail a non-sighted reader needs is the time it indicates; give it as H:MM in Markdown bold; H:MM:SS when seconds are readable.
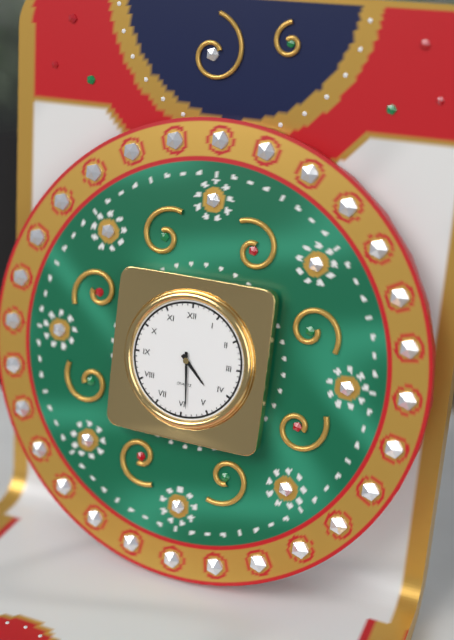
**4:29**
